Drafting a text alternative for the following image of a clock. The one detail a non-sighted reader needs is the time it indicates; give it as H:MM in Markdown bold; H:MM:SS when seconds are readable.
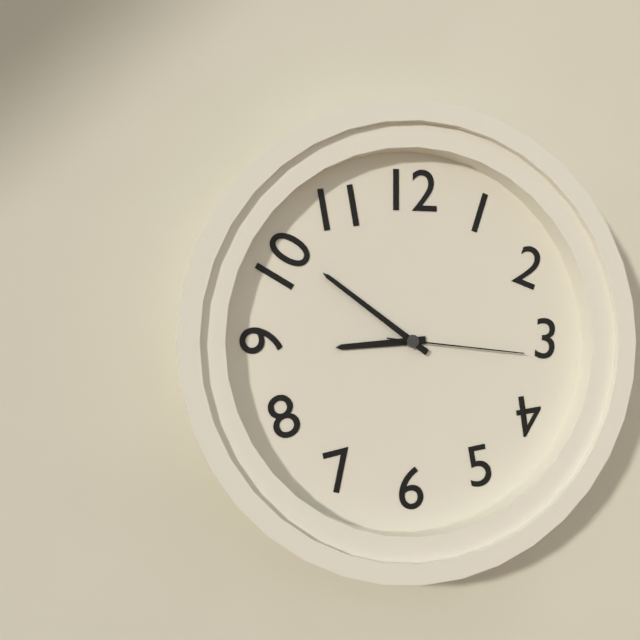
**8:51:16**
